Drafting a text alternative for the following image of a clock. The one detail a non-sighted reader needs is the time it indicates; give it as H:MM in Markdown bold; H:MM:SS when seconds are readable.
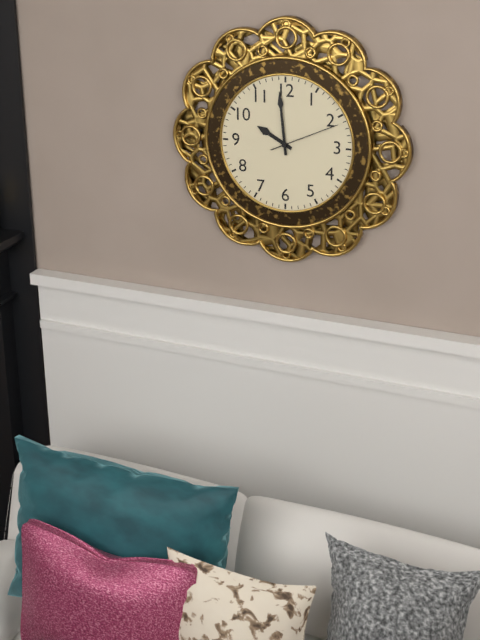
**9:59:11**
